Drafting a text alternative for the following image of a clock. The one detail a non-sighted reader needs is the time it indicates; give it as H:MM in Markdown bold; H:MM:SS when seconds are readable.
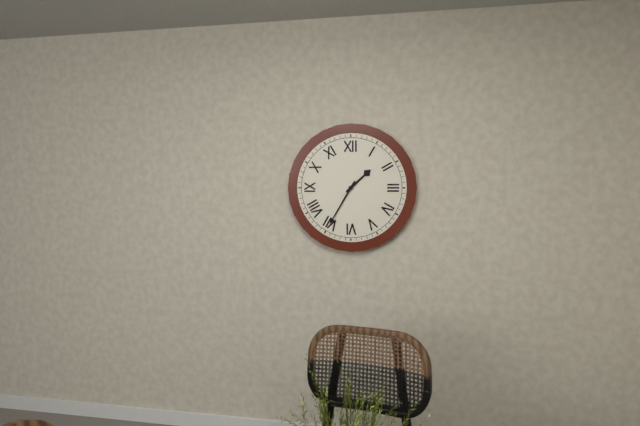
**1:35**
